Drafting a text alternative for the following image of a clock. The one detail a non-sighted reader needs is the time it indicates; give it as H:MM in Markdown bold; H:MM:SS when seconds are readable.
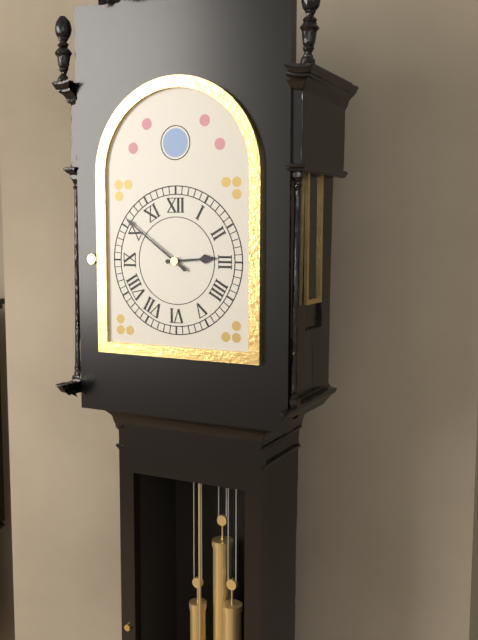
**2:51**
